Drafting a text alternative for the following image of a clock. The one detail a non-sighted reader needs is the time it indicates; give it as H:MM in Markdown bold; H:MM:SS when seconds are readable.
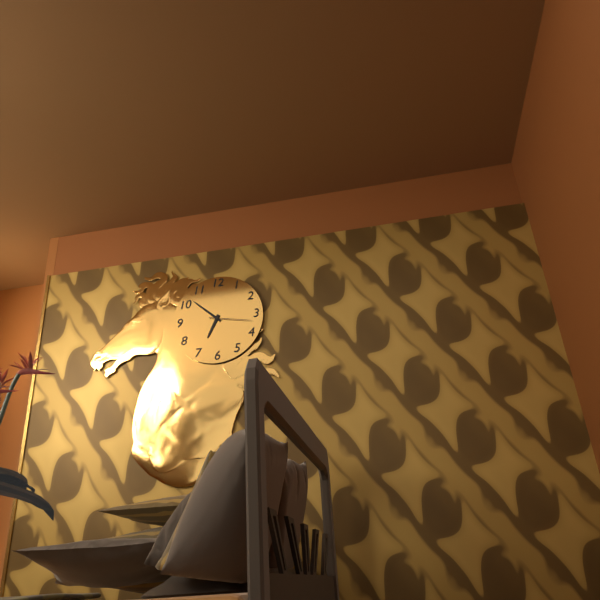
**6:52**
